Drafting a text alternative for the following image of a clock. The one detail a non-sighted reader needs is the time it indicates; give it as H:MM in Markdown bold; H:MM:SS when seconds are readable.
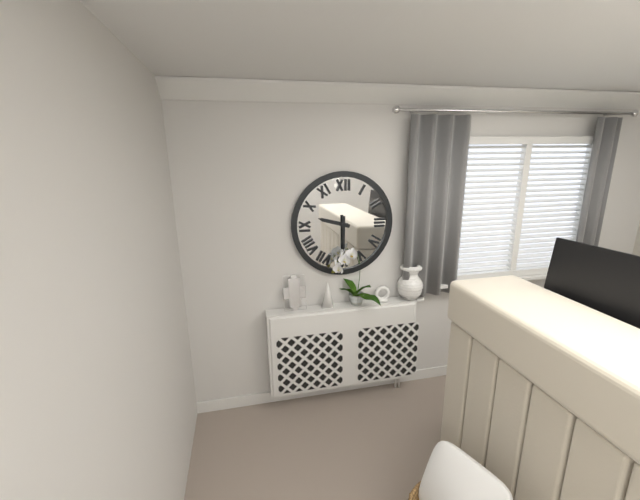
**9:30**
